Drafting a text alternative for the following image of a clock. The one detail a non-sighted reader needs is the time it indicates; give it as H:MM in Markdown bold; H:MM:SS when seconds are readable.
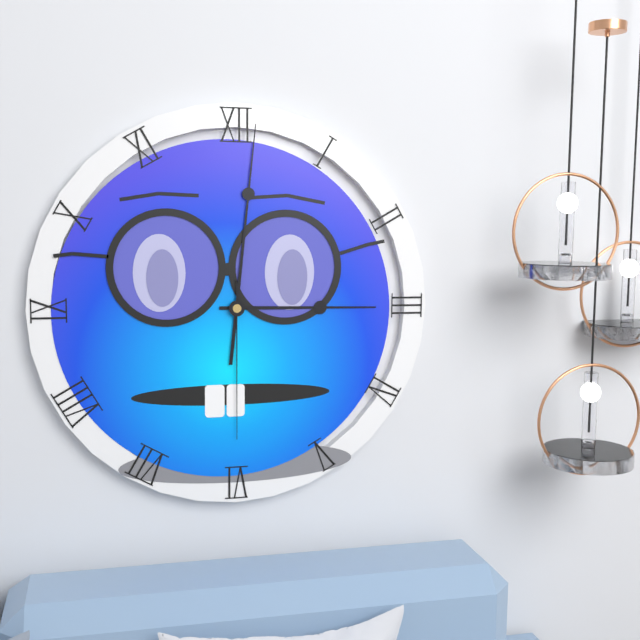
**3:01:30**
